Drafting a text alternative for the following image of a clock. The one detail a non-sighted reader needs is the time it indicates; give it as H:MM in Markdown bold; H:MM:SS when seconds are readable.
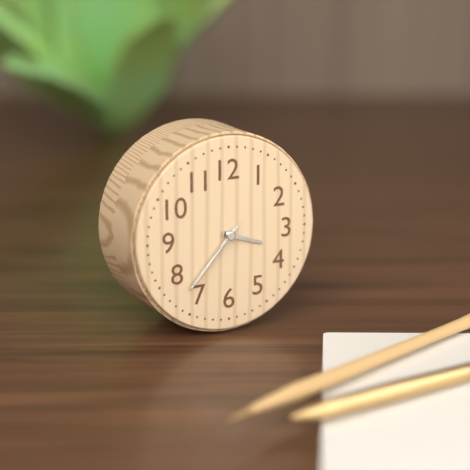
**3:37:37**
